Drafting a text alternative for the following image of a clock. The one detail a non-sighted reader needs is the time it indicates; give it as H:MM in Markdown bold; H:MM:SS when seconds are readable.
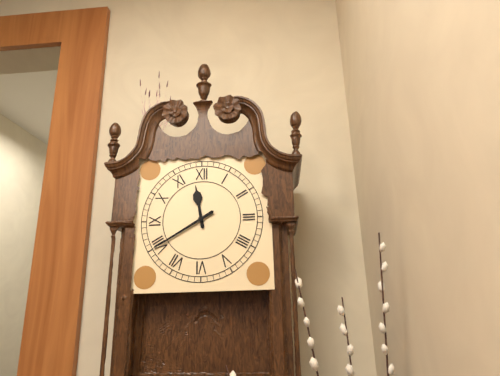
**11:40**
